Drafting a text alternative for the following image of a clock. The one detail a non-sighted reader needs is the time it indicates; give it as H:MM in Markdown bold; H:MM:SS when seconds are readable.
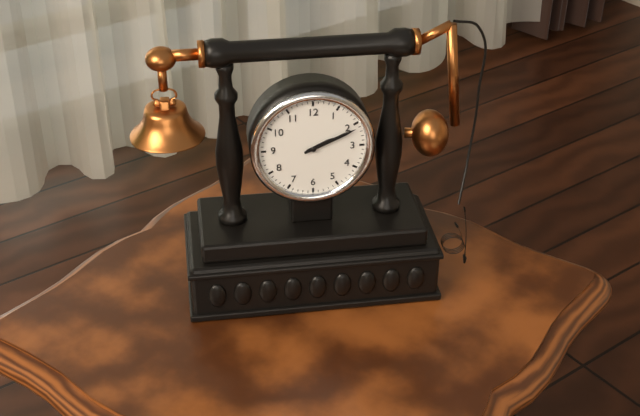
**2:11**
